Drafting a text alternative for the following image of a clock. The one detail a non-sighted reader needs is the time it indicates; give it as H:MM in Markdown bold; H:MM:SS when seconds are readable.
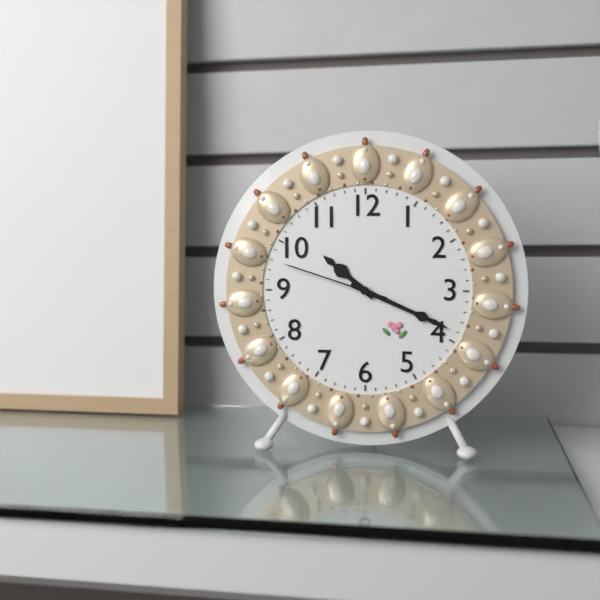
**10:19:48**
